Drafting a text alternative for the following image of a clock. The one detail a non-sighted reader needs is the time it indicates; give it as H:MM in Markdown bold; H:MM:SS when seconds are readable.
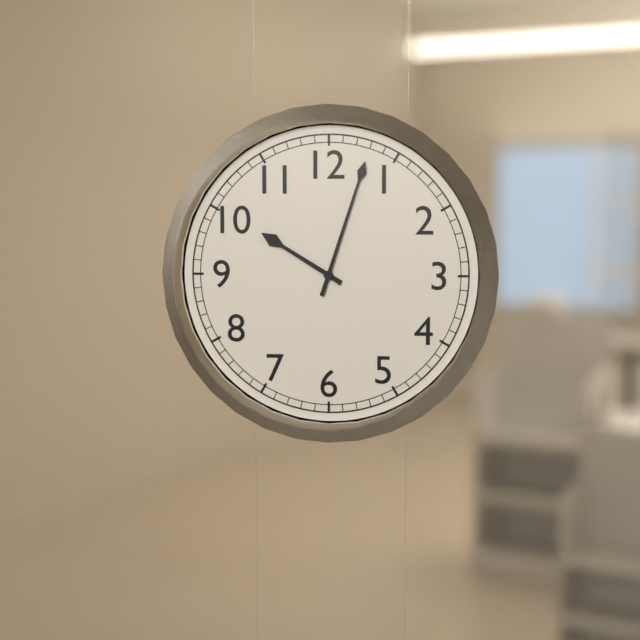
**10:03**
